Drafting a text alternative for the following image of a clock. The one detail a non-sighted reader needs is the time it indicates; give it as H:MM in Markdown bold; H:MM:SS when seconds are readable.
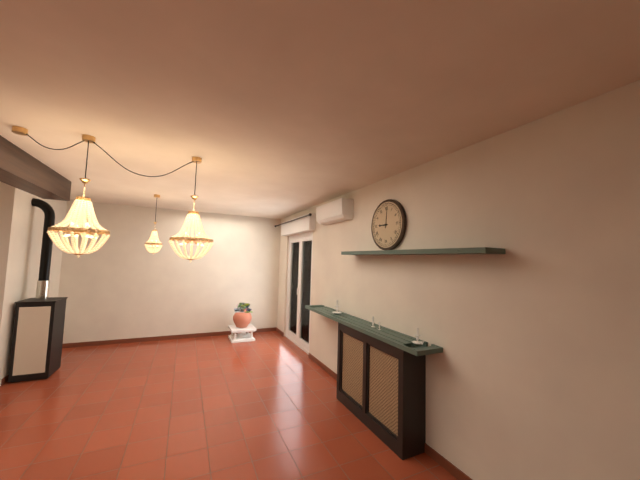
**9:01**
